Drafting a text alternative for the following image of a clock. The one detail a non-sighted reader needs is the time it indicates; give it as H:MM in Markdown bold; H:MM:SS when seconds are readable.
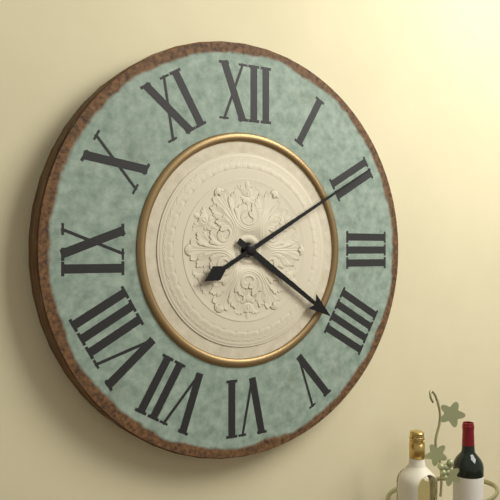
**4:10**
